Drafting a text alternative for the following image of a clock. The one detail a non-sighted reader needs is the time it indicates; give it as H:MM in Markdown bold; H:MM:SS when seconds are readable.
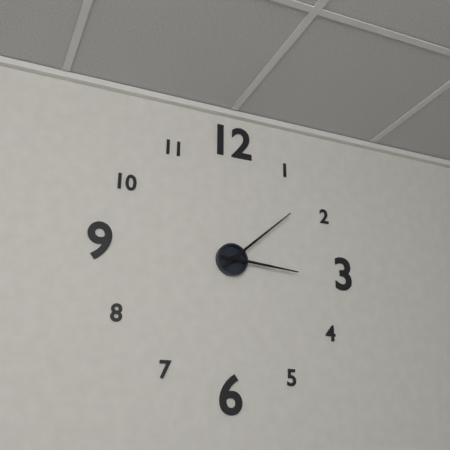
**3:08**
